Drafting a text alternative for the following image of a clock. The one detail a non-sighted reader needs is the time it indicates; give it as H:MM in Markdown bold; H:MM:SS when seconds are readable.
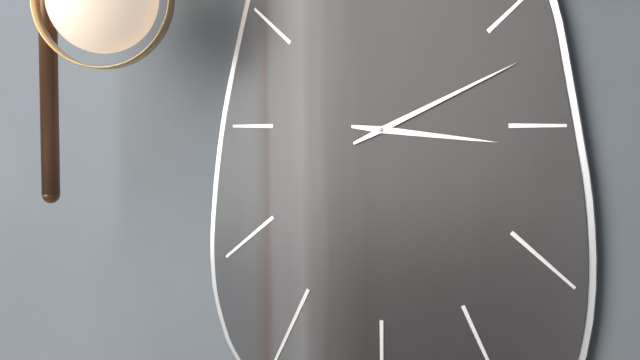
**3:11**
